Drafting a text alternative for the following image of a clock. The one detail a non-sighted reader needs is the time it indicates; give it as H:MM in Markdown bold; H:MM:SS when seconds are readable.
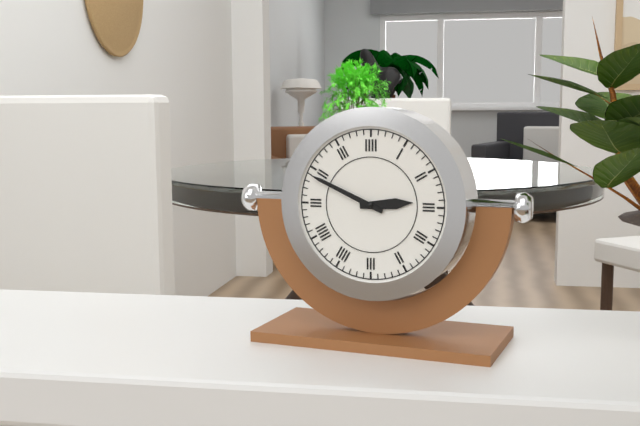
**2:49**
